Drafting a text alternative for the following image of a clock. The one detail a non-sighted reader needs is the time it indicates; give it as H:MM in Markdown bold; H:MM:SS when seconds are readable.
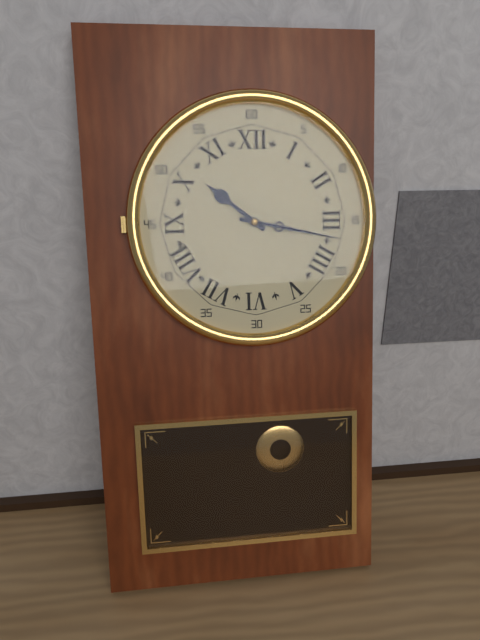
**10:17**
